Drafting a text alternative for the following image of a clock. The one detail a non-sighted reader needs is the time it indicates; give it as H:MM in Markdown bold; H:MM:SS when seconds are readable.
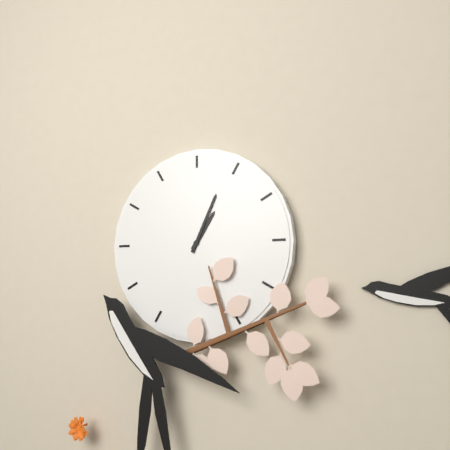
**1:04**
